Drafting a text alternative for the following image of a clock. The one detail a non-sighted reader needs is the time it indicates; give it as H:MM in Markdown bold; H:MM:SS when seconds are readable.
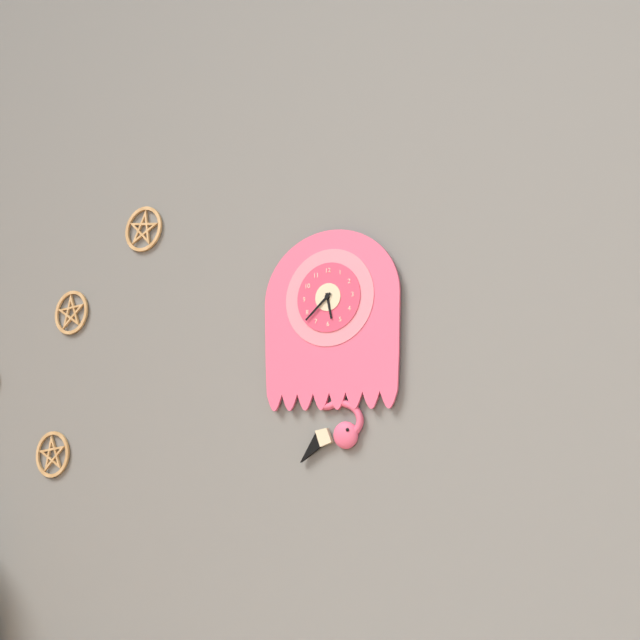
**5:38**
